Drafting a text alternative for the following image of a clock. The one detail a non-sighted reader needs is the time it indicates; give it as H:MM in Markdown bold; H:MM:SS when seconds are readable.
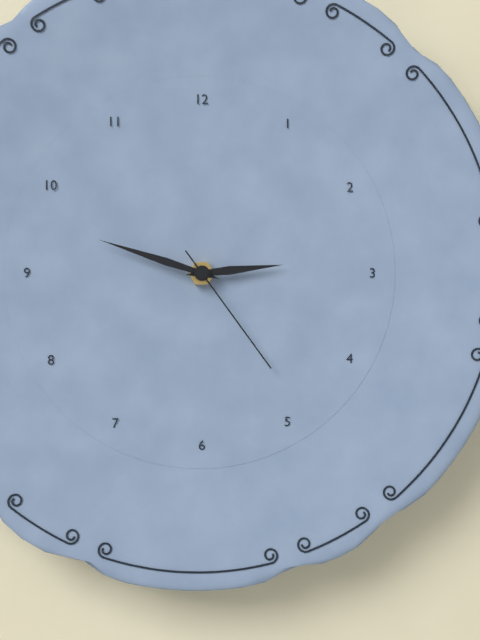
**2:48:24**
